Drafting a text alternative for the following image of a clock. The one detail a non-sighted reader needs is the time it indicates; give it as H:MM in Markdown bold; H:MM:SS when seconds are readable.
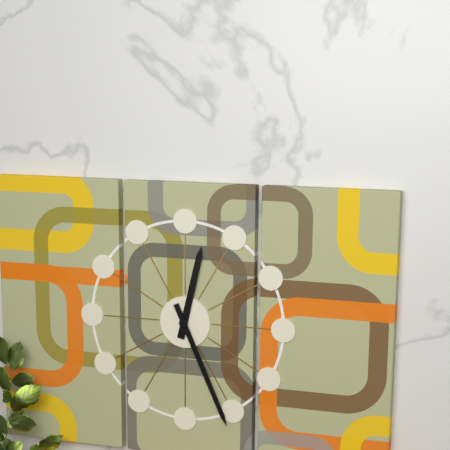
**12:26**
